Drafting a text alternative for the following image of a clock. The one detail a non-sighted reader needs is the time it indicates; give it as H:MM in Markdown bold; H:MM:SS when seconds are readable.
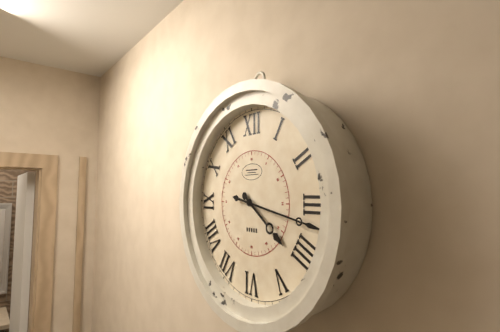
**4:17**
